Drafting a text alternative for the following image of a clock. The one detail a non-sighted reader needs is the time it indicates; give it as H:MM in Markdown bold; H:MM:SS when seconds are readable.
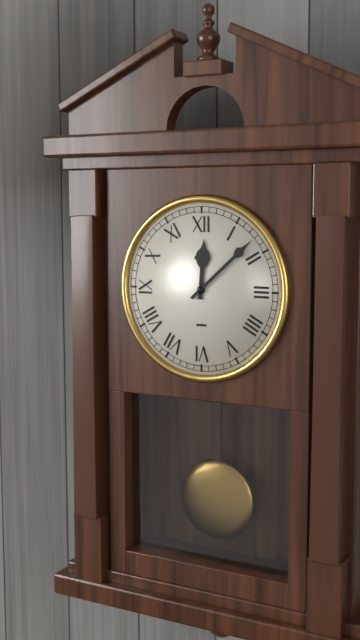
**12:08**
